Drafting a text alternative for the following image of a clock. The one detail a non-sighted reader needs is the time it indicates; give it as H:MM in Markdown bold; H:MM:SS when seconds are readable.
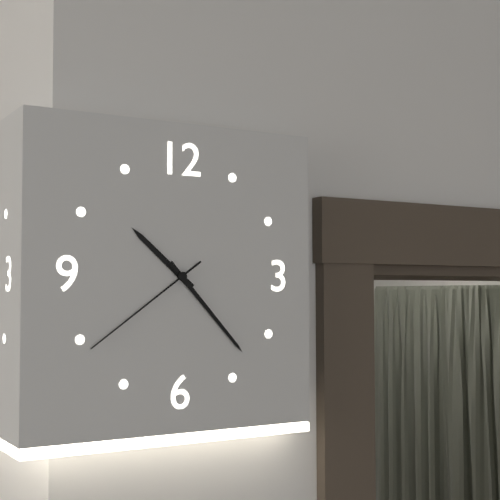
**10:23:39**
